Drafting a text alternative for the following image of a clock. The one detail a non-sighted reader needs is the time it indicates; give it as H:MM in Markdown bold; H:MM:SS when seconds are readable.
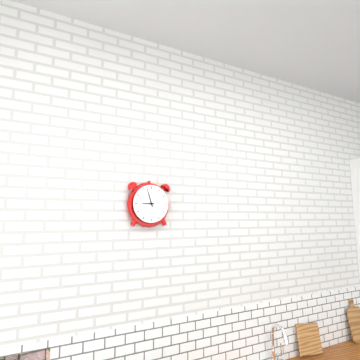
**8:57**
